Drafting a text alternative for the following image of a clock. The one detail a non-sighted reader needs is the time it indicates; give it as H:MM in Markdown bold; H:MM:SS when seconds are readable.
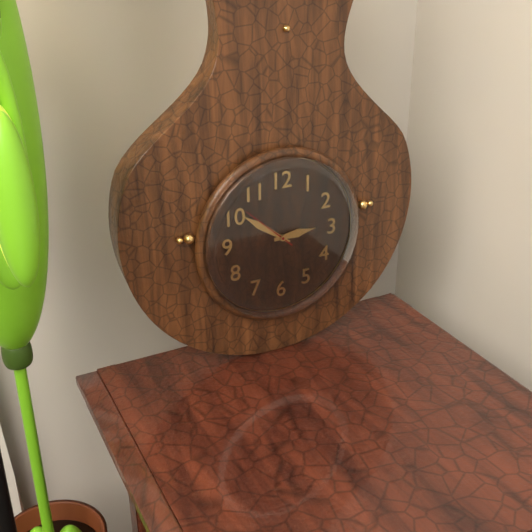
**2:51:52**
